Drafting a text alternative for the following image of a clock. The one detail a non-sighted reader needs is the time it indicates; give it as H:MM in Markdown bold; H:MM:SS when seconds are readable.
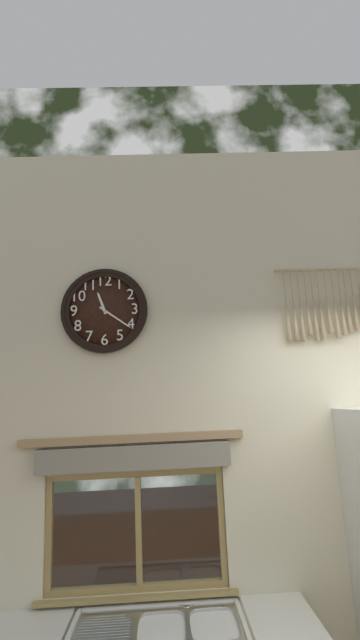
**11:21**
